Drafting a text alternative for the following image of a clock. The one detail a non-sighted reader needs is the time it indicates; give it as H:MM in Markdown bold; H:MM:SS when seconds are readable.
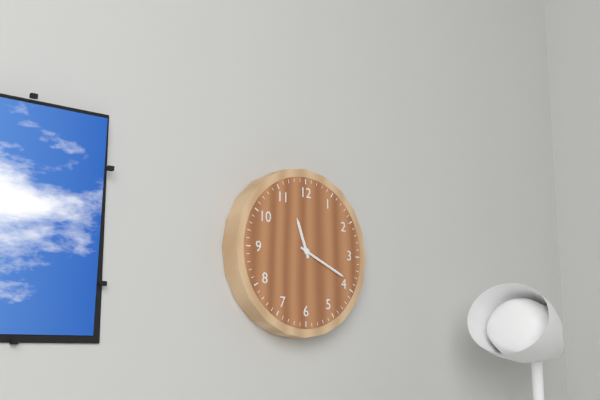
**11:19**
